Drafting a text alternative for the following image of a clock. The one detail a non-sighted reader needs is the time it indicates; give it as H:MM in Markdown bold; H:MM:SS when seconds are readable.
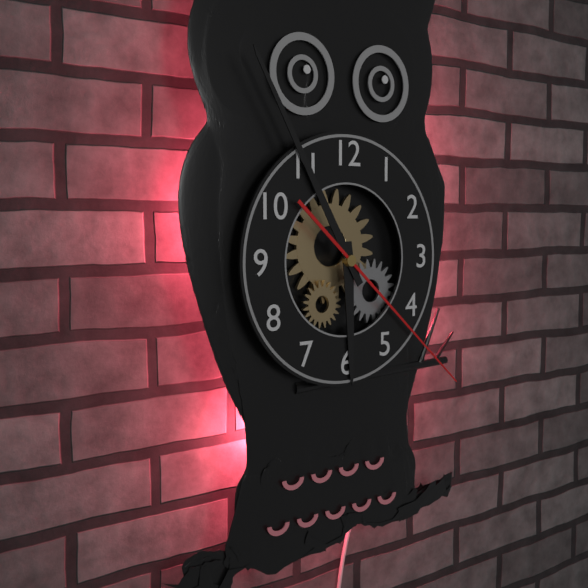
**5:55:22**
